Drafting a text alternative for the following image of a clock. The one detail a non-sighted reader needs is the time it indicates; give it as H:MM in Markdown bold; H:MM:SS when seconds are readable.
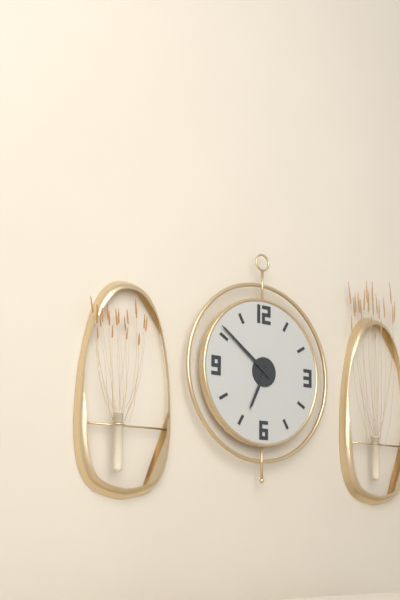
**6:51**
